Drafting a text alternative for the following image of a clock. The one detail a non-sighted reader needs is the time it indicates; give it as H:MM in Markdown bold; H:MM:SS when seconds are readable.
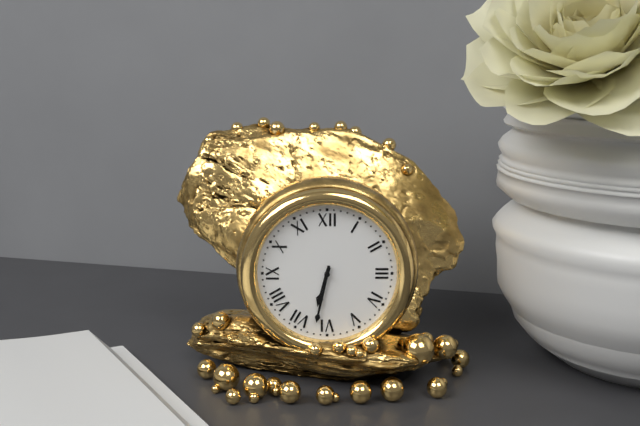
**6:32**
